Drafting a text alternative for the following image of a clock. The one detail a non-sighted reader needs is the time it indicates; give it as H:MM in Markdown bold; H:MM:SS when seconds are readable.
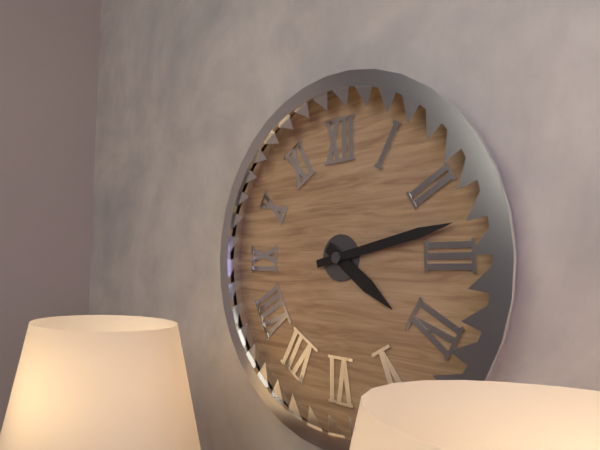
**4:13**
